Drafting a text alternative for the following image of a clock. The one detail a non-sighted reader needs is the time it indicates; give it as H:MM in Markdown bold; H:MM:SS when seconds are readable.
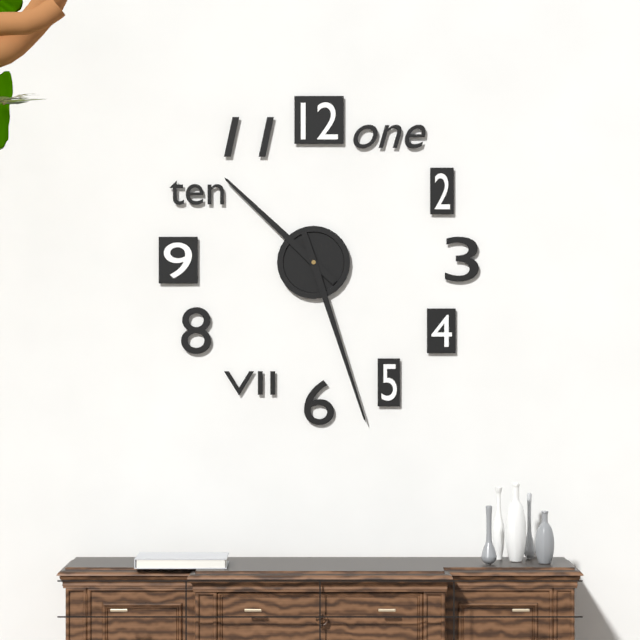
**10:27**
